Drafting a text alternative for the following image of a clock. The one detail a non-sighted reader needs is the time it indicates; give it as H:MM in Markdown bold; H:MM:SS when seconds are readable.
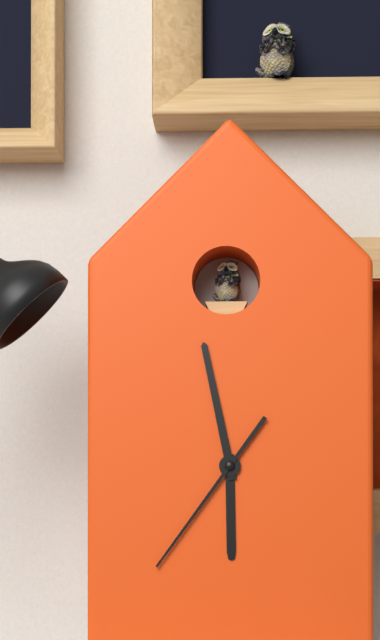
**5:58:36**
